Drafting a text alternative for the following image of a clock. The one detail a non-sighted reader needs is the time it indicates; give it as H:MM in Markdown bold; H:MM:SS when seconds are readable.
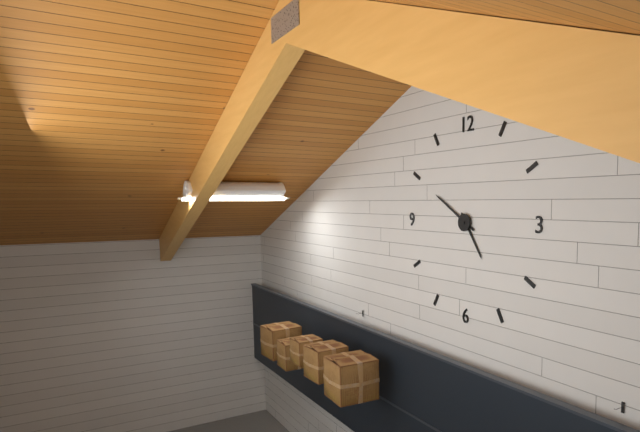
**4:50**
